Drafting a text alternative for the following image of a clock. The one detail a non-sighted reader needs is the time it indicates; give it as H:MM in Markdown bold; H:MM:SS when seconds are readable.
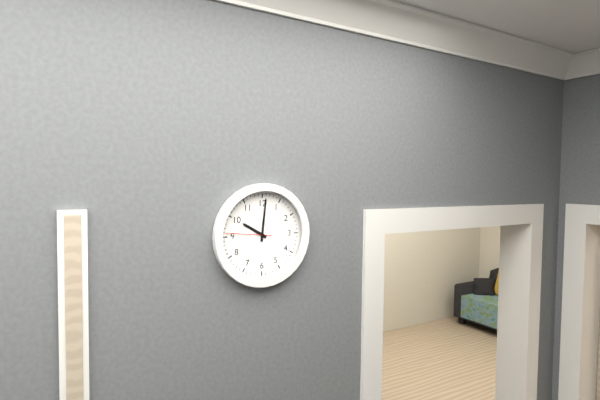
**10:01**
